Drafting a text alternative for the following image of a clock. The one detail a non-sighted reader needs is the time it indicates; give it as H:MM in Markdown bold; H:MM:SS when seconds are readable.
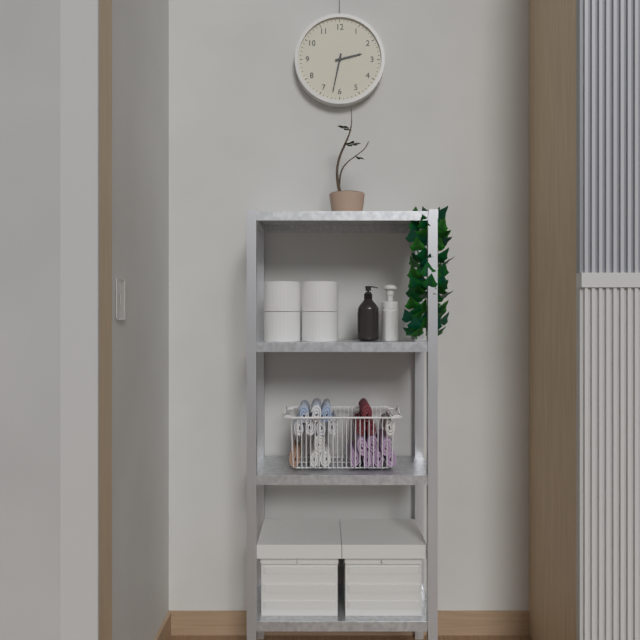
**2:32**
